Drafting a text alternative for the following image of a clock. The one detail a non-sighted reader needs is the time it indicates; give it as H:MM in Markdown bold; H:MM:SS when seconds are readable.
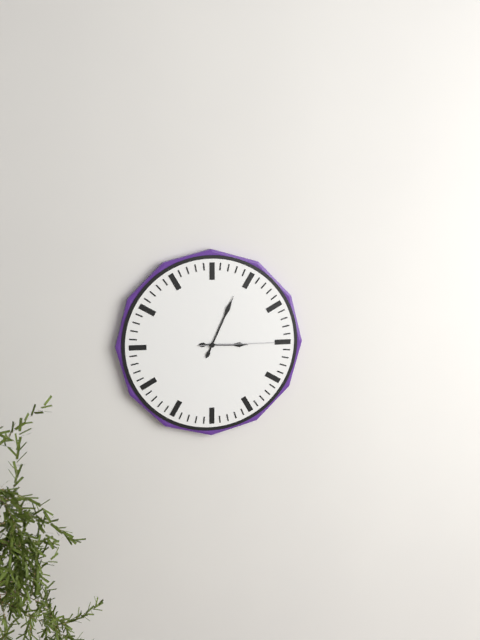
**3:04:15**
